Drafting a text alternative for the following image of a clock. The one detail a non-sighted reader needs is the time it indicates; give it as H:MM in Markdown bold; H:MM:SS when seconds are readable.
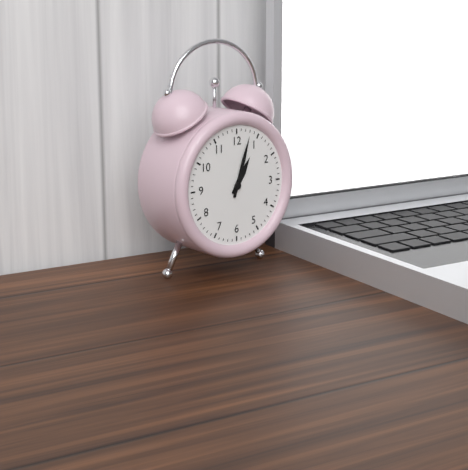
**1:03**
